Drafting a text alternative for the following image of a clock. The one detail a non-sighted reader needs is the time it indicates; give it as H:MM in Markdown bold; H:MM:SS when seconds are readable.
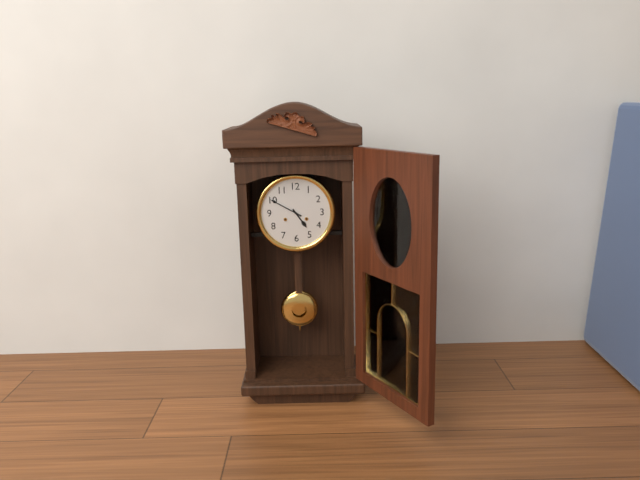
**4:50**
